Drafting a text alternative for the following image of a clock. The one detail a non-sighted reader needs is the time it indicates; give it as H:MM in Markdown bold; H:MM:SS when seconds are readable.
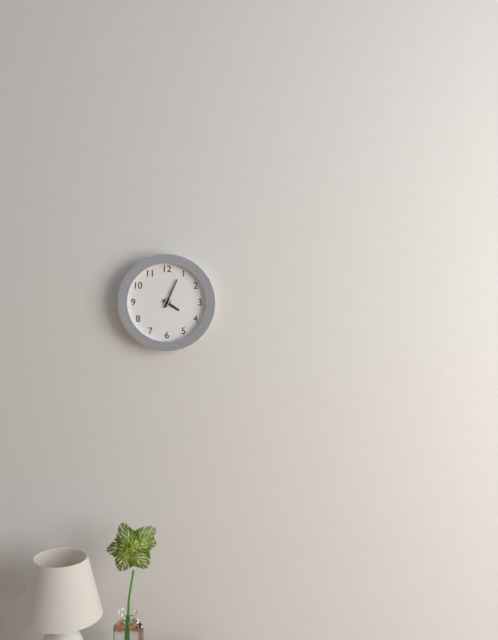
**4:04**
